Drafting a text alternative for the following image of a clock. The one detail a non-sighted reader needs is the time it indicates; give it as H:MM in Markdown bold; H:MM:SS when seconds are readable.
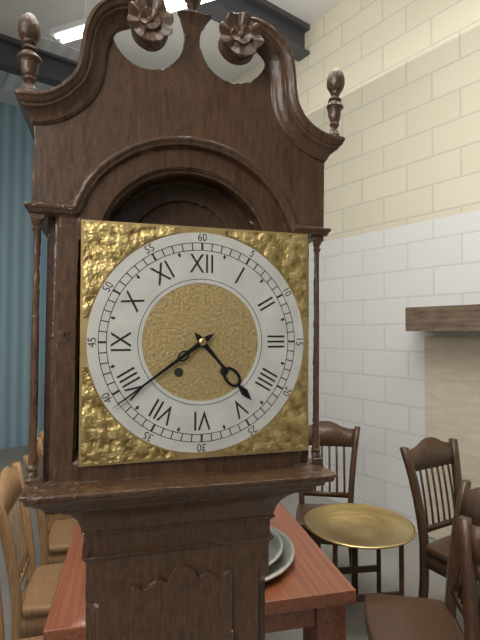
**4:39**
